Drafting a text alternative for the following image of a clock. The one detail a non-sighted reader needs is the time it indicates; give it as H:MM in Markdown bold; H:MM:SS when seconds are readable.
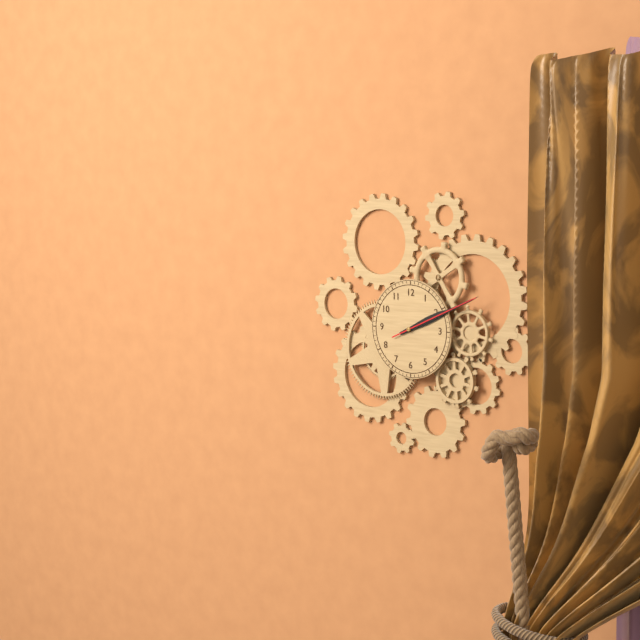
**2:11:11**
